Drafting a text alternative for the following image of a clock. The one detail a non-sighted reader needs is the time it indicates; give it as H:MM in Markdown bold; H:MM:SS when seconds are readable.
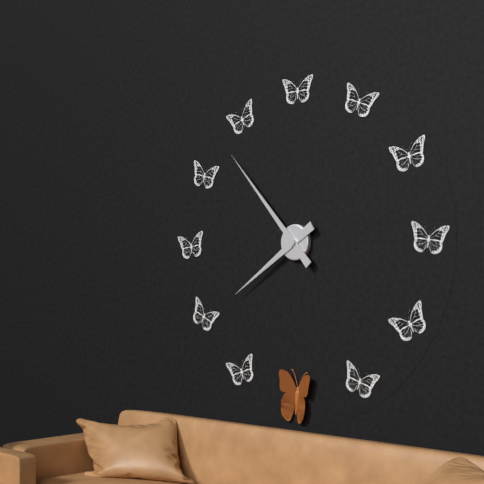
**7:53**
